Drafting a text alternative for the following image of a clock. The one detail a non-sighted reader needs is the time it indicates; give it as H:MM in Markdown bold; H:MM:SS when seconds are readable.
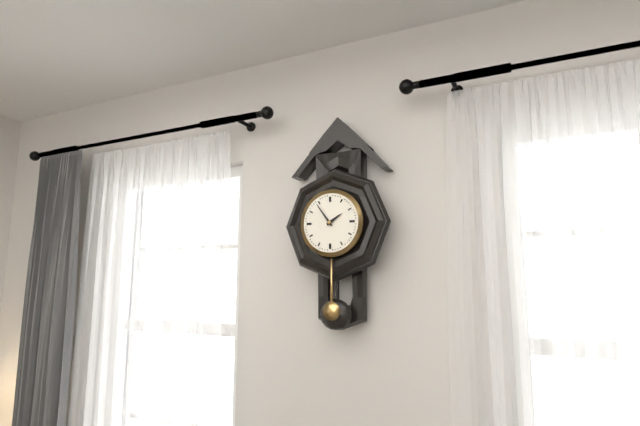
**1:54**
